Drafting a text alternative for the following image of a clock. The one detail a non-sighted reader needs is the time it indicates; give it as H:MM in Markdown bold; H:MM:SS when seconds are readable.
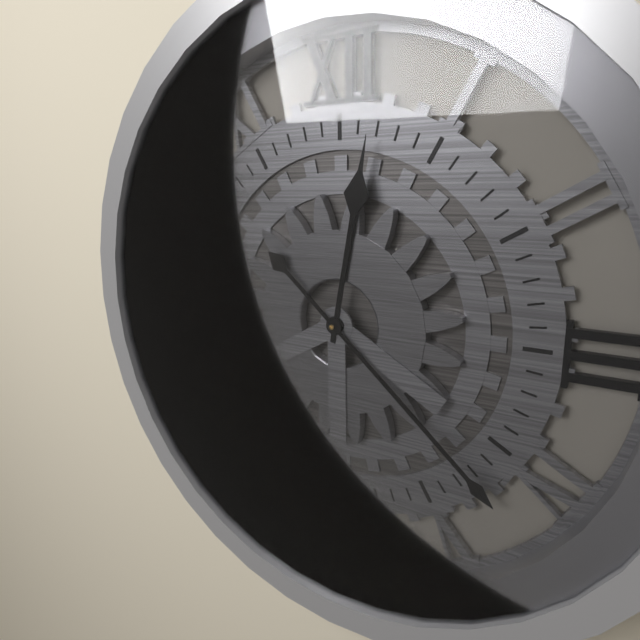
**12:22**
